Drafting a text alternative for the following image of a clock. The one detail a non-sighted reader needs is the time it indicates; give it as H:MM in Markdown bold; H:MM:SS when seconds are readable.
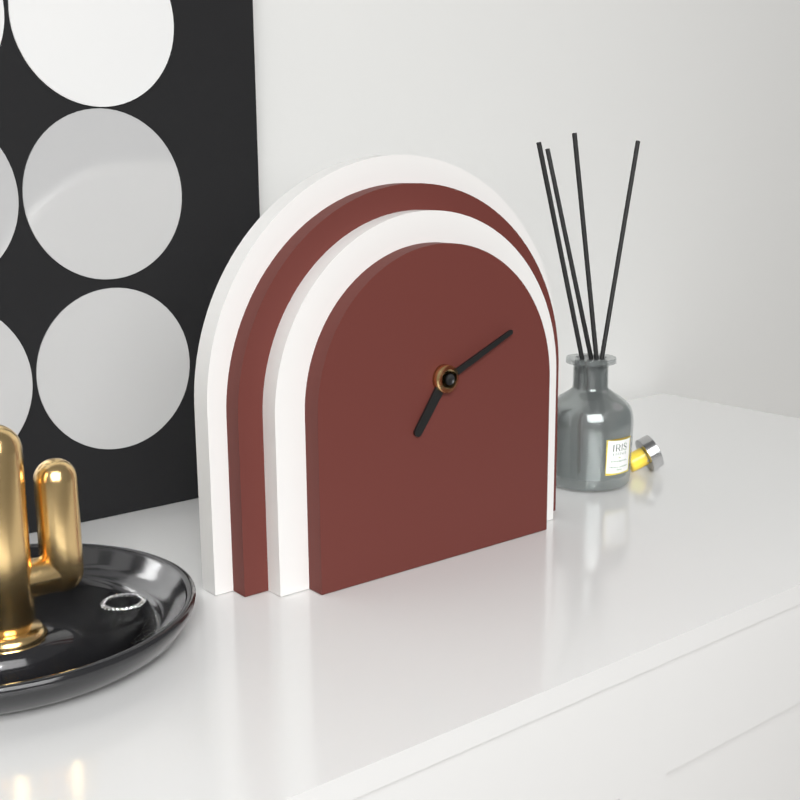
**7:11**
